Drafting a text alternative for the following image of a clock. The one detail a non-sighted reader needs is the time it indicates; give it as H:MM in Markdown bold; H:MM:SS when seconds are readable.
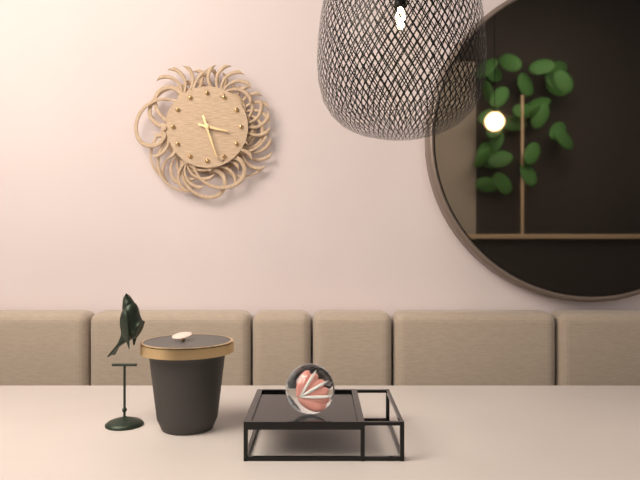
**3:27**
